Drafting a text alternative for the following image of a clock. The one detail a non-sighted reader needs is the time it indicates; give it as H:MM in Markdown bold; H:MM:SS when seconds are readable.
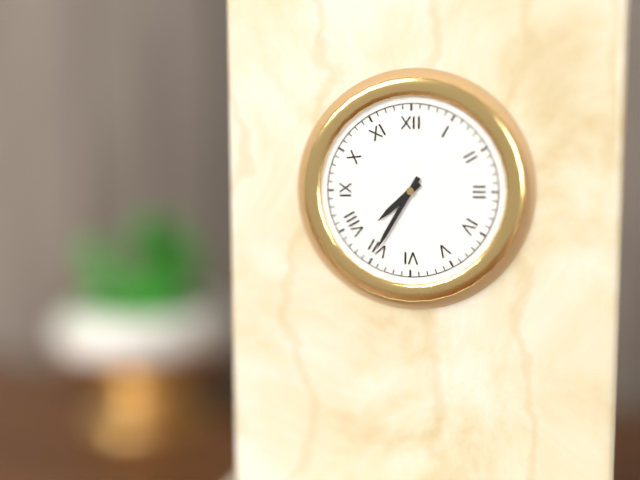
**7:35**
